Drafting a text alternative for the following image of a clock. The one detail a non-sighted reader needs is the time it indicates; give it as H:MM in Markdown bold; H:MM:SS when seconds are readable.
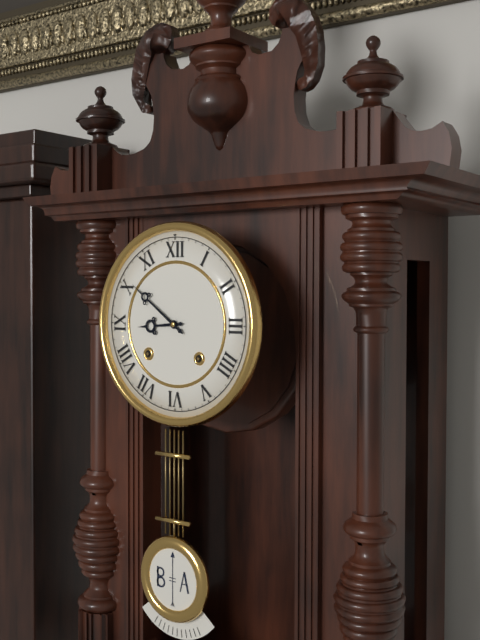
**8:51**
